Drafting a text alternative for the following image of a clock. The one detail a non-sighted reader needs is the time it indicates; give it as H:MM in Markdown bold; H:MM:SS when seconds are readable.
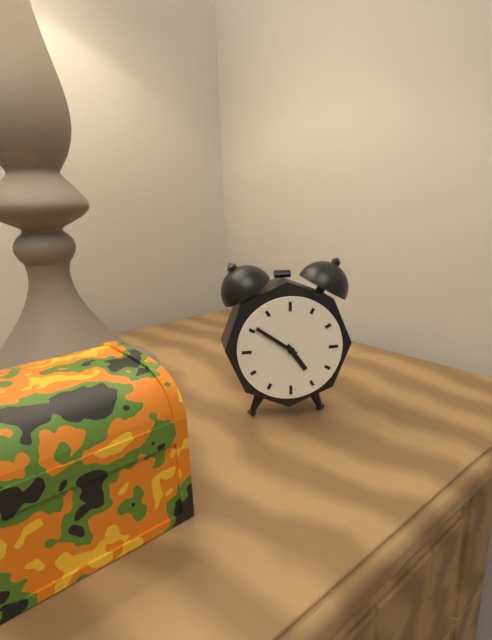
**4:51**
